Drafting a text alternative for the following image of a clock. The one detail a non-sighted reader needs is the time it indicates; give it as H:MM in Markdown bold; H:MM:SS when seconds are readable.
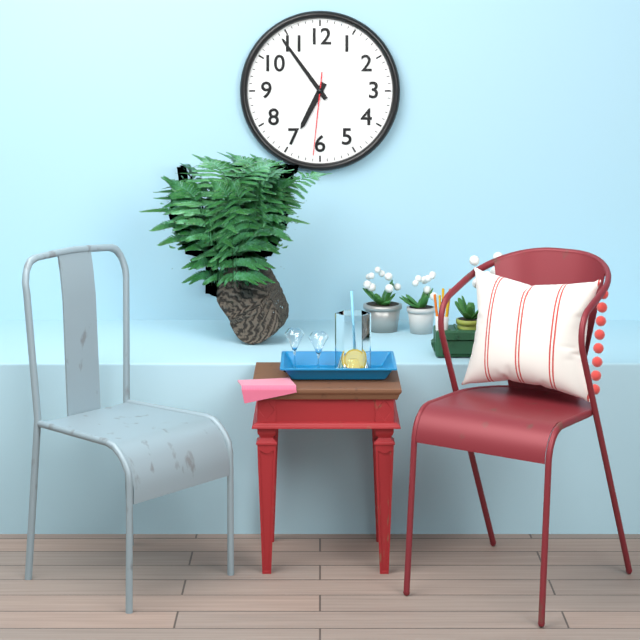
**6:54:31**
